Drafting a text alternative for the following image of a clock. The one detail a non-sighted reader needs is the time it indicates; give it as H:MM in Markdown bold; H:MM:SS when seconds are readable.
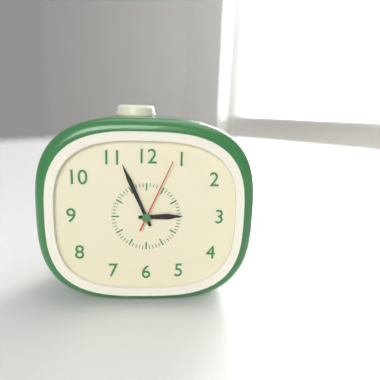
**2:56:04**
